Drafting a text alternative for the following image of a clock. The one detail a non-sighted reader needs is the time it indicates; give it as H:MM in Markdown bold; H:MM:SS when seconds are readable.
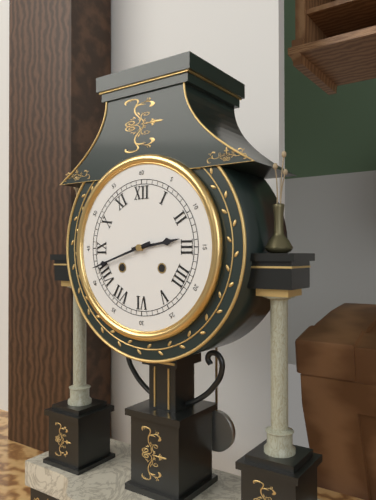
**2:42**
